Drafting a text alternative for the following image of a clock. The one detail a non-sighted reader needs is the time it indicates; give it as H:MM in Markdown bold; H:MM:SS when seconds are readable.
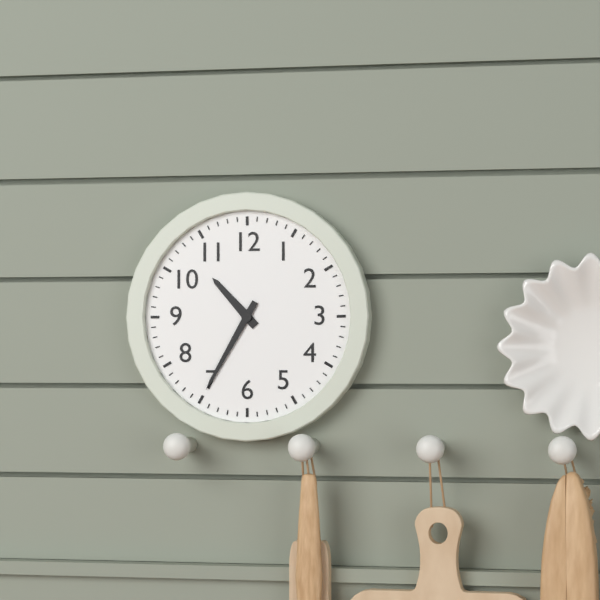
**10:35**
